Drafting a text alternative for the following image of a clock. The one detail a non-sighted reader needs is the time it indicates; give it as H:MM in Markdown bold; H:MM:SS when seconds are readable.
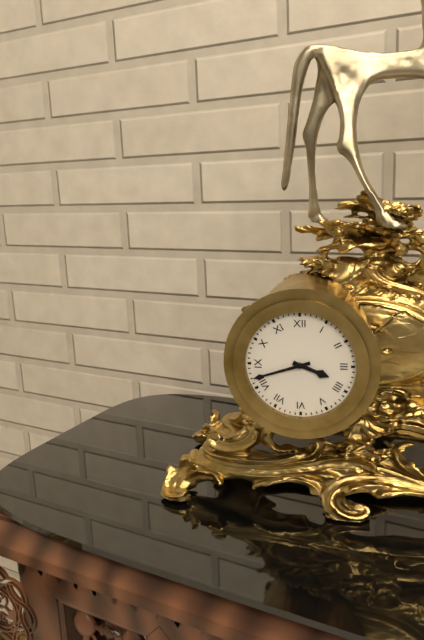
**3:42**
